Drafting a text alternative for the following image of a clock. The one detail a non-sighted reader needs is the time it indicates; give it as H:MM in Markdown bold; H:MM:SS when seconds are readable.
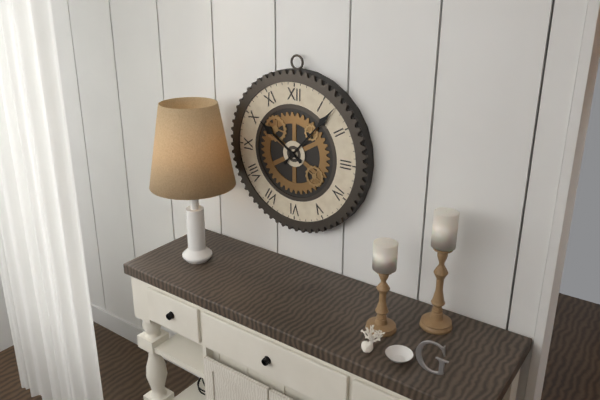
**10:07**
